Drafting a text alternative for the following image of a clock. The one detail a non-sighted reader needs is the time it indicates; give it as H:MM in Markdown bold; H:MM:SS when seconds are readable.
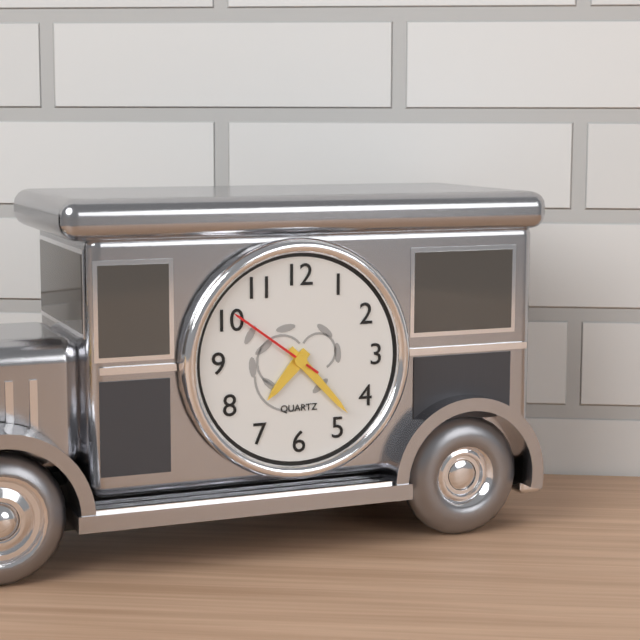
**7:23:51**
